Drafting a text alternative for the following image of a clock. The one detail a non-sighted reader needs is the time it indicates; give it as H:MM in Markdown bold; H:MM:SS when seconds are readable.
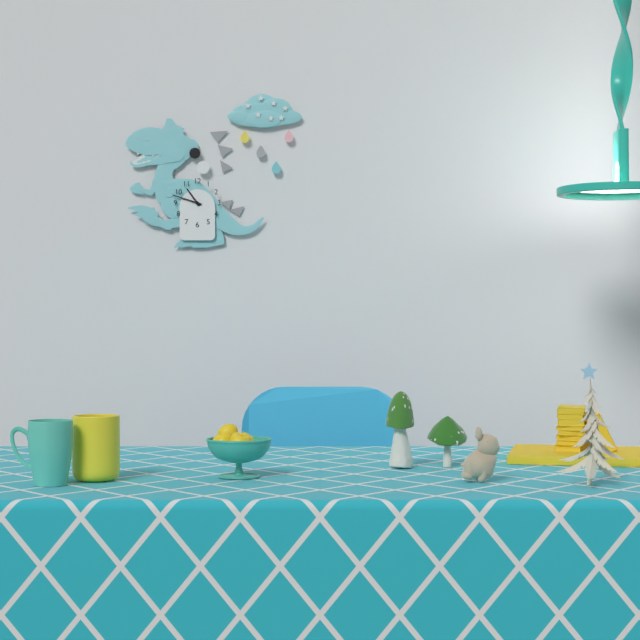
**10:48**
